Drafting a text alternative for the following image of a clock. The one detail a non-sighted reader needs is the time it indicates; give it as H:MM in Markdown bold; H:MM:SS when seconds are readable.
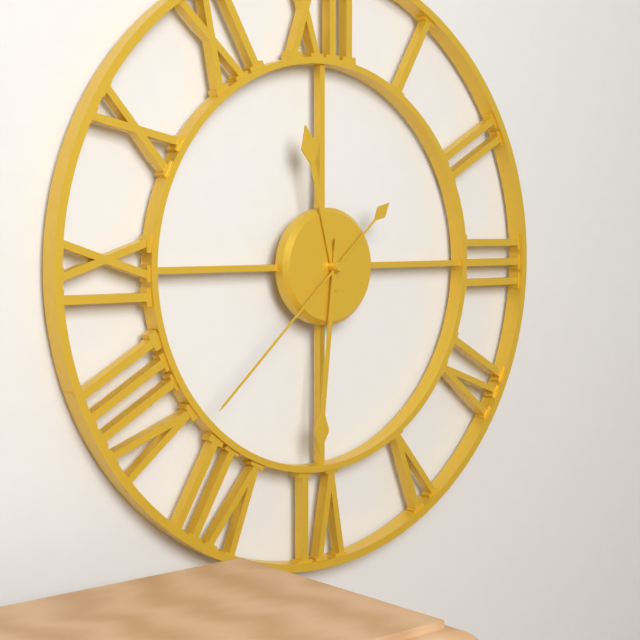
**11:31:38**
